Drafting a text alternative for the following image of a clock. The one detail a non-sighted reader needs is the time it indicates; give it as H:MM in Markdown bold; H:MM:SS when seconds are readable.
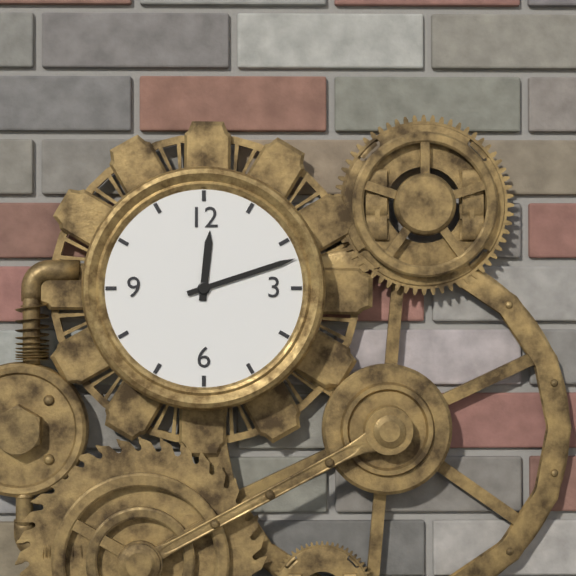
**12:12**
